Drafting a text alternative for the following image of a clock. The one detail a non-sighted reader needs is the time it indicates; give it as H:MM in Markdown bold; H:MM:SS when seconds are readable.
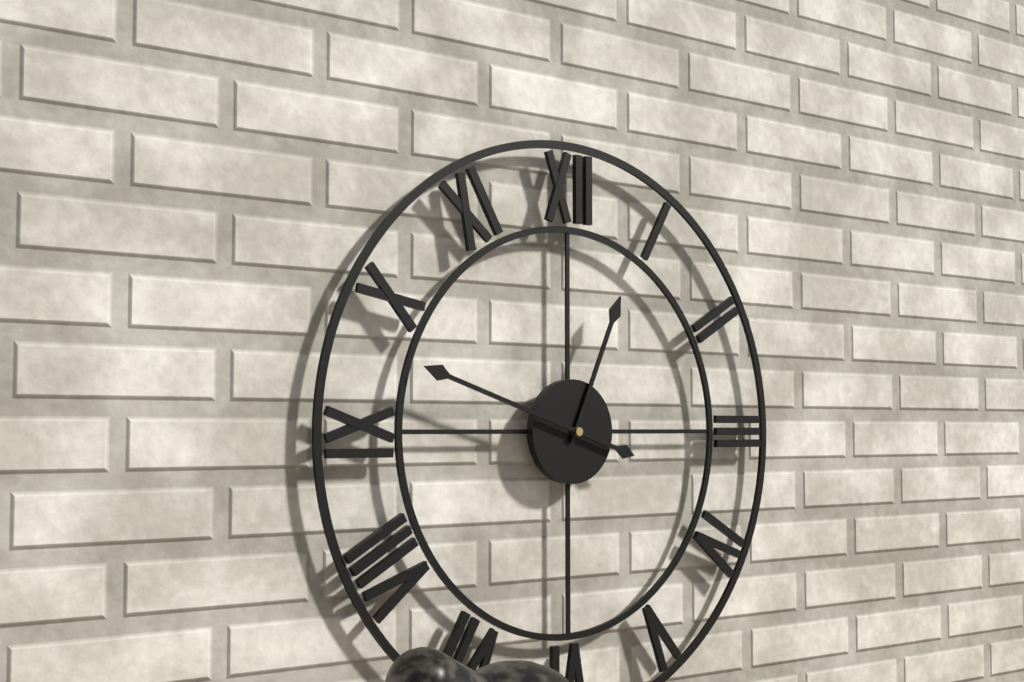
**12:48**
